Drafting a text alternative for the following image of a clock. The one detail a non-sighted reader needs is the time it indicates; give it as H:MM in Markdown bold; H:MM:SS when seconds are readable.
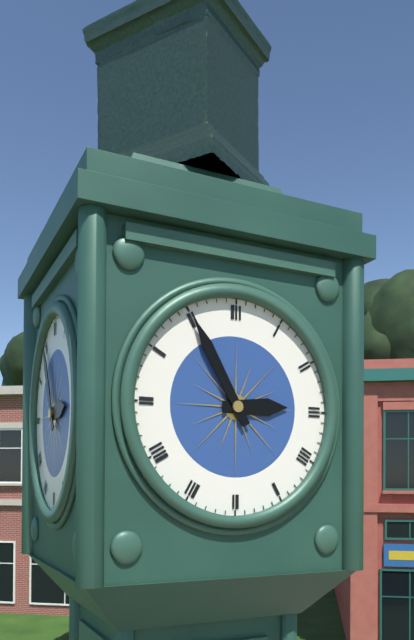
**2:55**
